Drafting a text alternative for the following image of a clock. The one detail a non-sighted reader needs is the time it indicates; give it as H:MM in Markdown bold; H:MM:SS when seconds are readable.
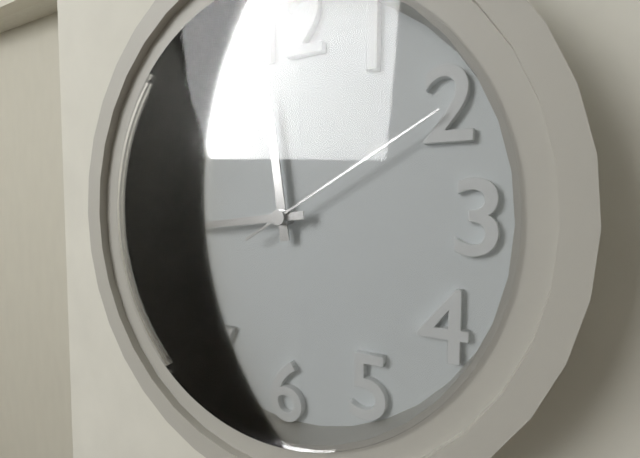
**11:44:10**
